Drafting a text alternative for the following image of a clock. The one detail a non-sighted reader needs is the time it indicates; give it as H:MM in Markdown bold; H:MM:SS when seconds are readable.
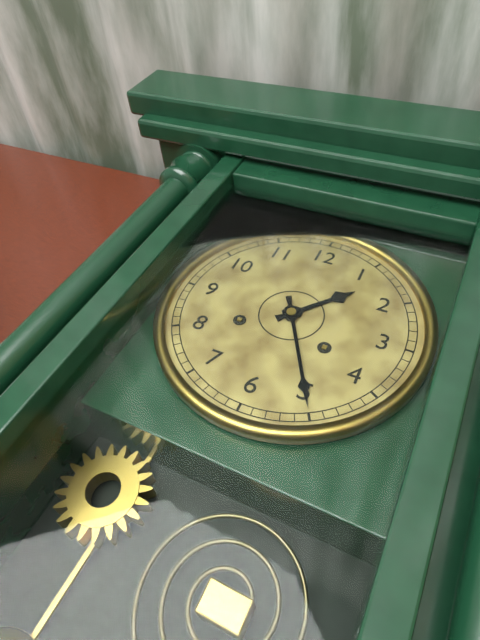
**1:25**
